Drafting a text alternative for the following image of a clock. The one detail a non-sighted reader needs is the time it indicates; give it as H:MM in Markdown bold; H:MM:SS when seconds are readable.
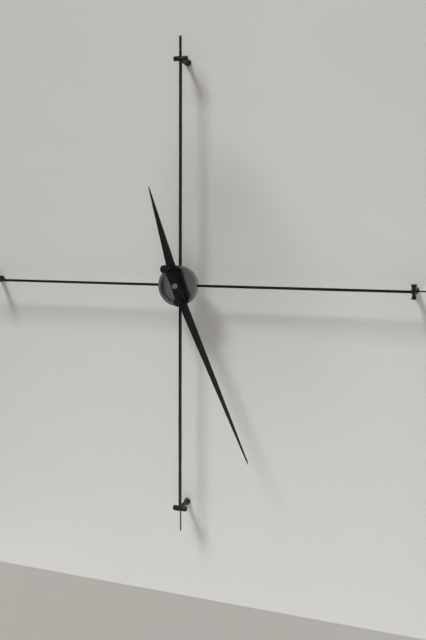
**11:26**
